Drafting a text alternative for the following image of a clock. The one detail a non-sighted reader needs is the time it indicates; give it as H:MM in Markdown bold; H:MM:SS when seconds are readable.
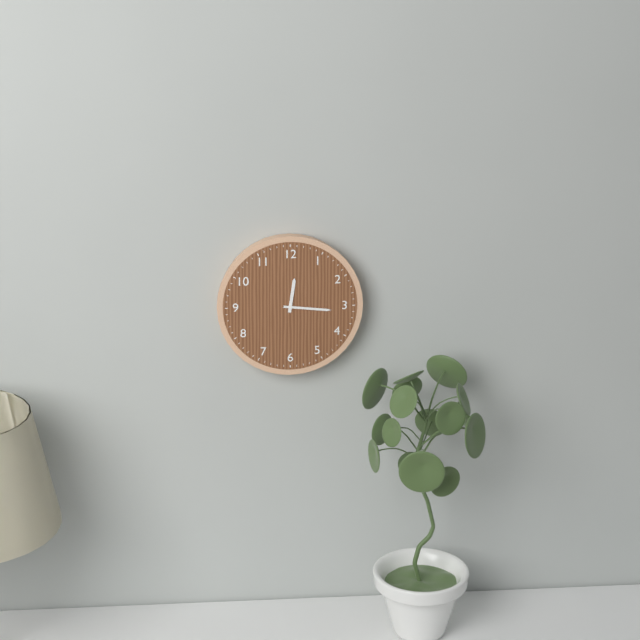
**12:16**
